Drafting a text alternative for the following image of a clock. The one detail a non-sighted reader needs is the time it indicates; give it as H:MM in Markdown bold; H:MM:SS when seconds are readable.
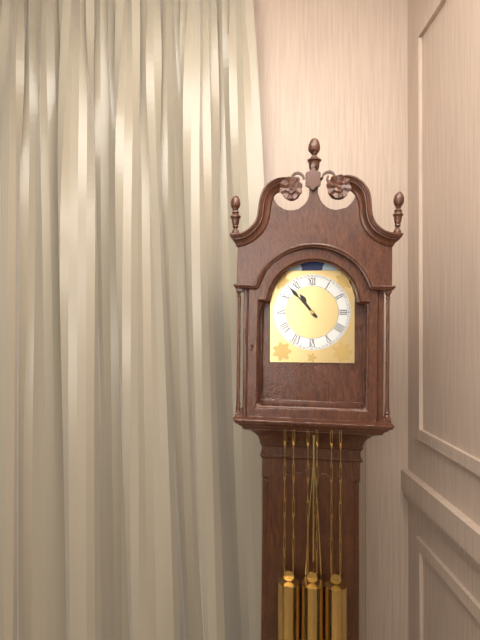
**10:53**
